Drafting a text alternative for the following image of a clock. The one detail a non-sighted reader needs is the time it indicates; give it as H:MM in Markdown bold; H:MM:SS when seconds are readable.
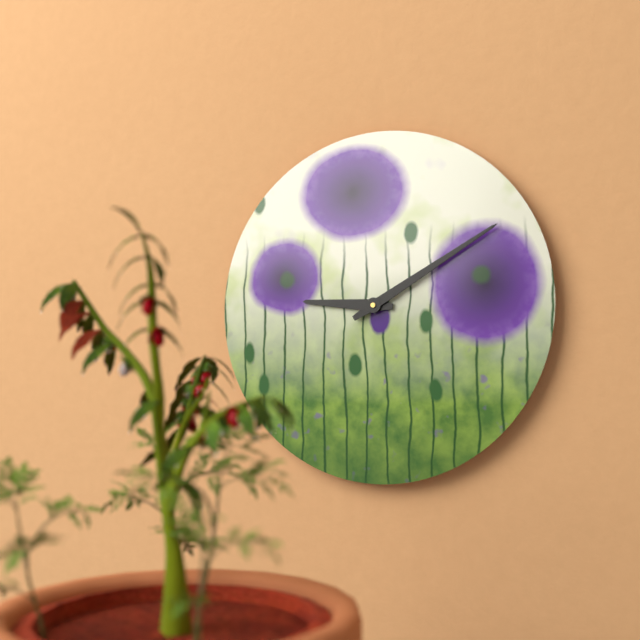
**9:10**
